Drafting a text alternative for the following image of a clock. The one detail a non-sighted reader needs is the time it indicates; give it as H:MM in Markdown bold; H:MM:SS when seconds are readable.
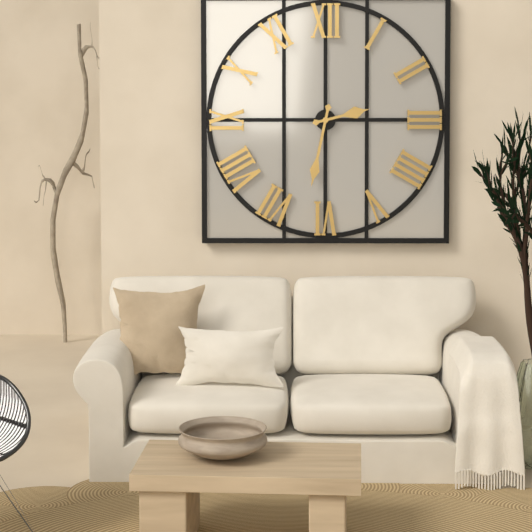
**2:32**
